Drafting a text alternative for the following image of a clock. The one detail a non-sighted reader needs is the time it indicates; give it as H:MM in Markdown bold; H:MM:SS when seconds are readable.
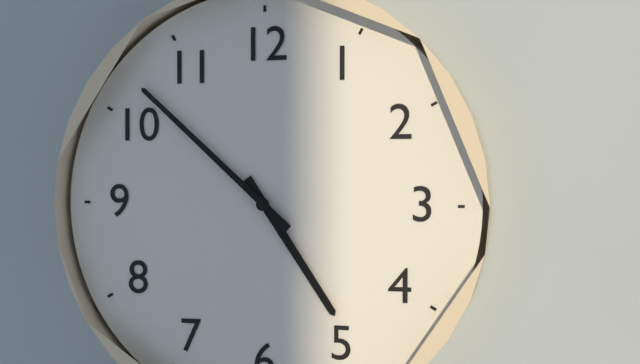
**4:52**
